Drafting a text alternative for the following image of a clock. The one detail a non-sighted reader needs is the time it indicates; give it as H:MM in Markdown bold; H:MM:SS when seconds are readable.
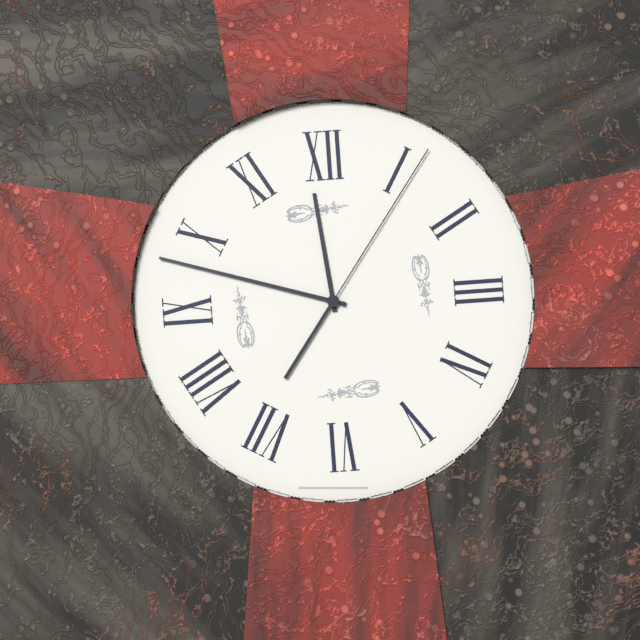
**11:48:06**
